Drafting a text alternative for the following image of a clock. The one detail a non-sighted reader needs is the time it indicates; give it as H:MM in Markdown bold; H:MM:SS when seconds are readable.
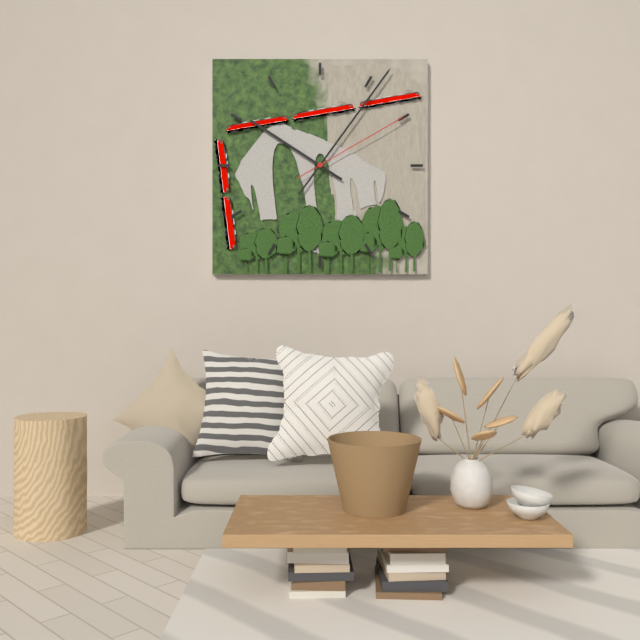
**10:06:10**
